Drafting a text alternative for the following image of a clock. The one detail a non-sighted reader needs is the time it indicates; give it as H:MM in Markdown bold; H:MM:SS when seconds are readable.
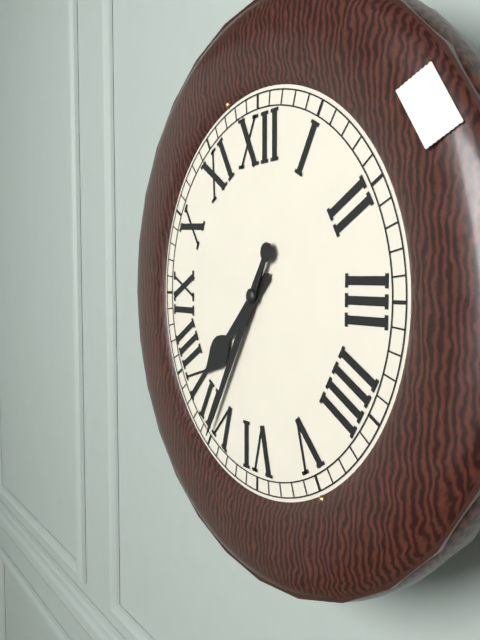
**7:35**
